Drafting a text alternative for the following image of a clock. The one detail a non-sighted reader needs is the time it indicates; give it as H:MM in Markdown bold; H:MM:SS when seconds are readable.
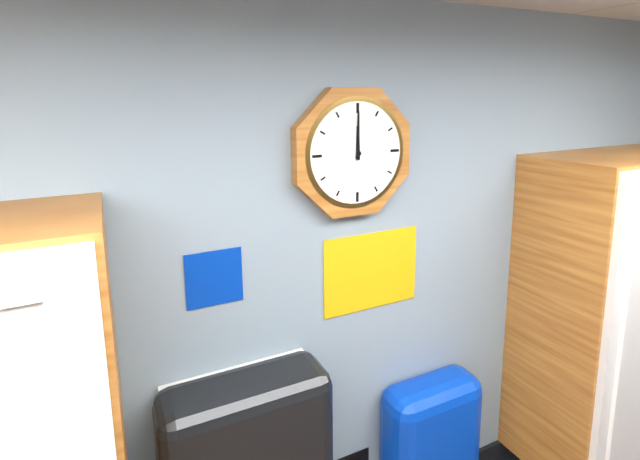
**12:00**
